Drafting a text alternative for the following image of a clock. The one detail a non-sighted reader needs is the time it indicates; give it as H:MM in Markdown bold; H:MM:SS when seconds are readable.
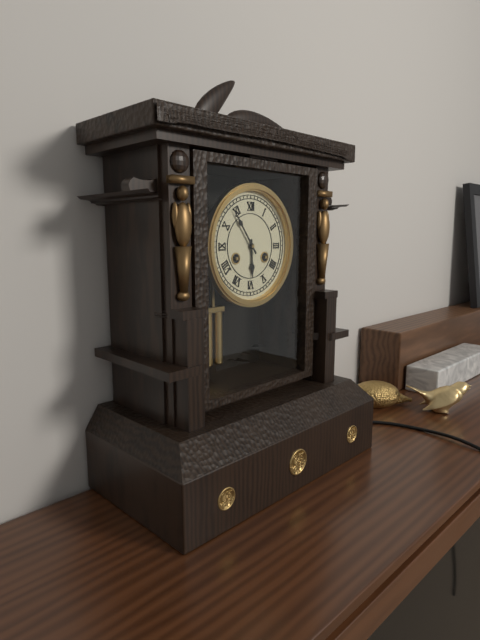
**5:54**
